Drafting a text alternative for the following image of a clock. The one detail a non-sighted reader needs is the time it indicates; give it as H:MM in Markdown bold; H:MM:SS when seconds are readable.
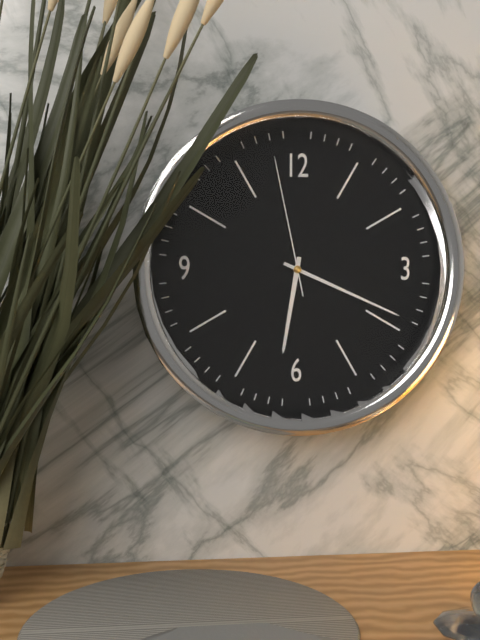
**6:19:58**
